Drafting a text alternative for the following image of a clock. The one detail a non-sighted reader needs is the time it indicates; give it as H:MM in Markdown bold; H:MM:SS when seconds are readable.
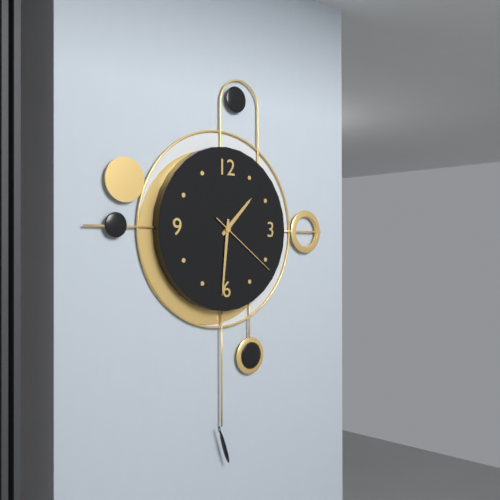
**1:31:21**
